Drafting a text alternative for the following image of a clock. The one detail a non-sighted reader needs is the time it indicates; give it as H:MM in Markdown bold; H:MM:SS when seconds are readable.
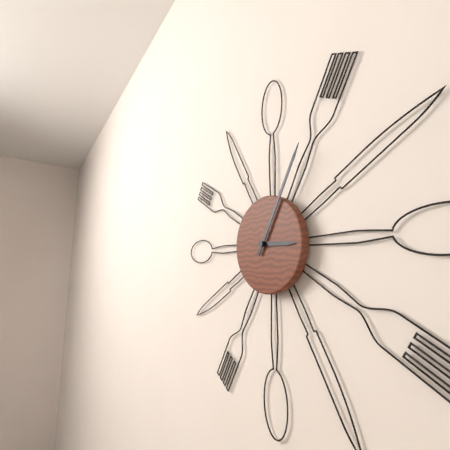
**3:05**
